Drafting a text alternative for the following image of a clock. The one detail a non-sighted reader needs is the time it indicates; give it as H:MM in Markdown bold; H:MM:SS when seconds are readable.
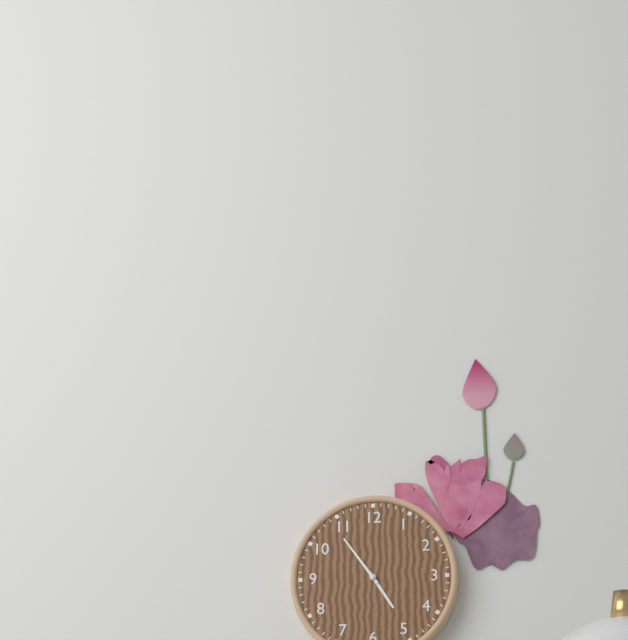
**4:54**
